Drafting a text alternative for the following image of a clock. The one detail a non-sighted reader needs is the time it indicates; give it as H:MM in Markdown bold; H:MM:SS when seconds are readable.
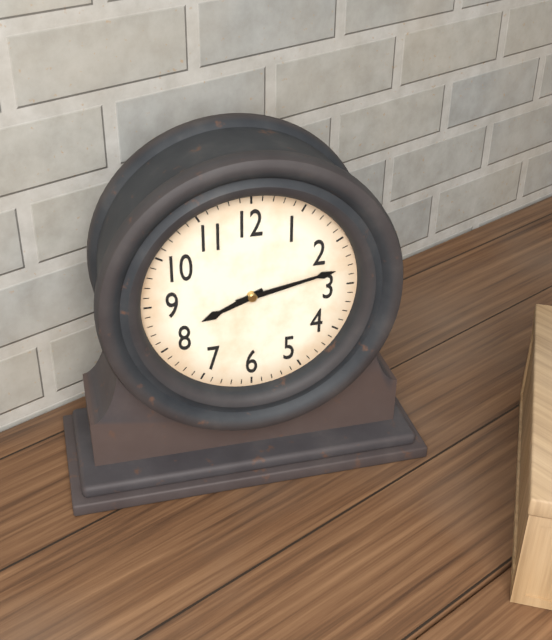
**8:13**
